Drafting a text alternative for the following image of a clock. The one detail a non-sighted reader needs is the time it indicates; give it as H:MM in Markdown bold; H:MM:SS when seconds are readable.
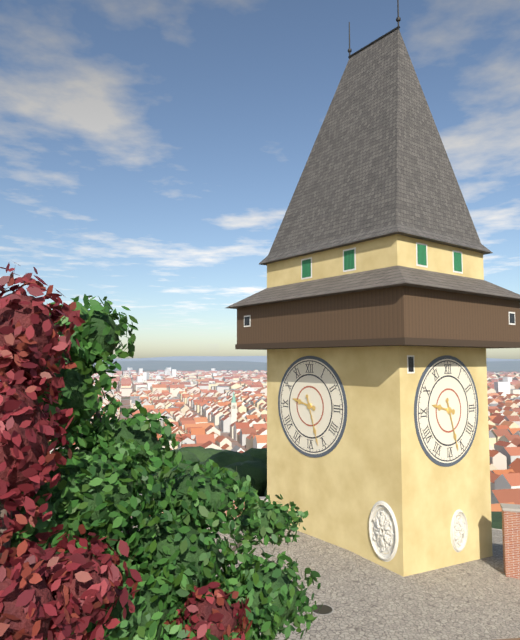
**9:27**
